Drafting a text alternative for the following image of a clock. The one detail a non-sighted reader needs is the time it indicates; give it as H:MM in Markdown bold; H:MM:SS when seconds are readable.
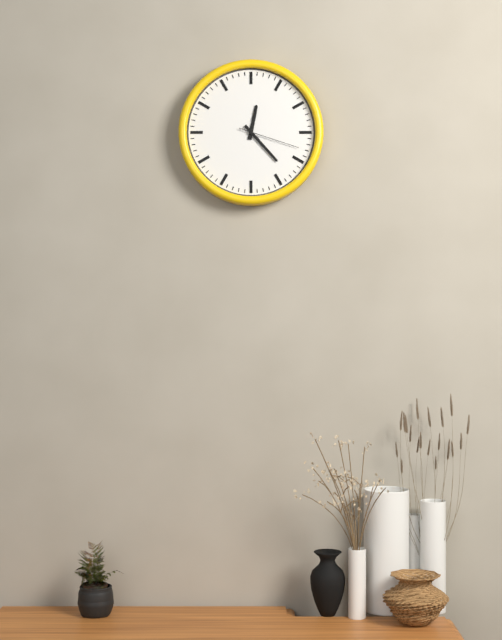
**12:23:18**
